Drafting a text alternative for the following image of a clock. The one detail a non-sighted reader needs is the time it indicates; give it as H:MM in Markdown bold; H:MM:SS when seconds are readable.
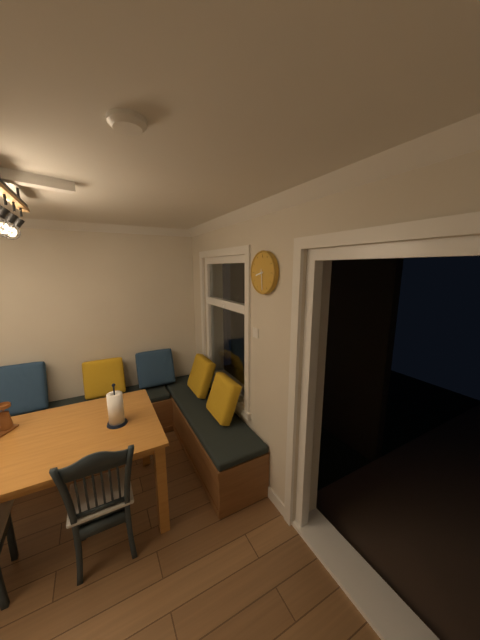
**8:29**
